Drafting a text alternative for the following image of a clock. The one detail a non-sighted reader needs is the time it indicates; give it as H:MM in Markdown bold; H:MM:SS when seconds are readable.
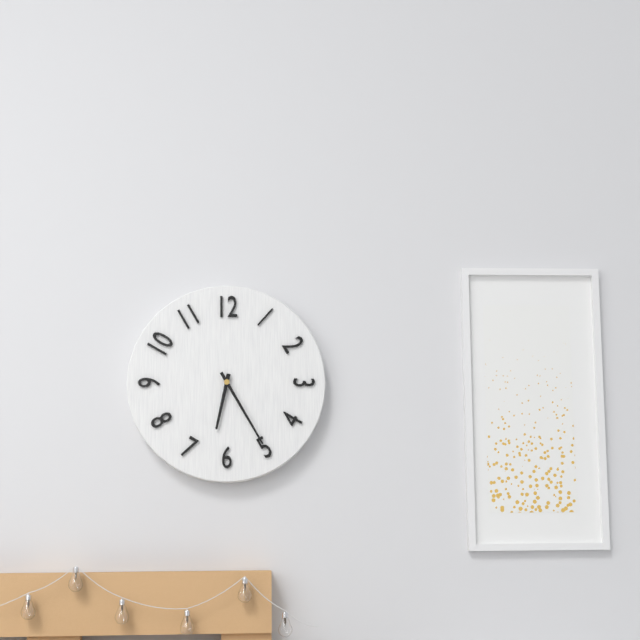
**6:25**
